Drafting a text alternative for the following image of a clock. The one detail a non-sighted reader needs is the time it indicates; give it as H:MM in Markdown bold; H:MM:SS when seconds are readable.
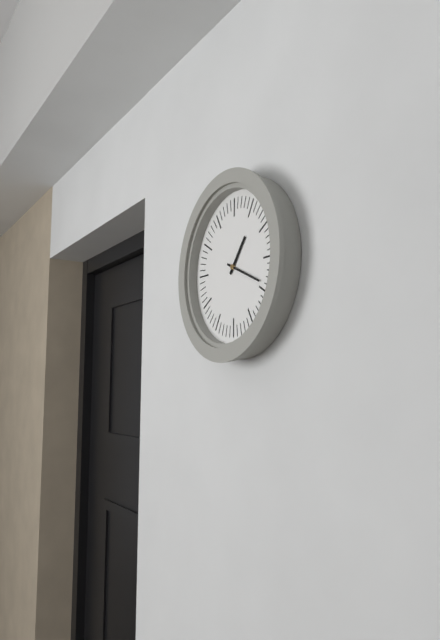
**1:19**
